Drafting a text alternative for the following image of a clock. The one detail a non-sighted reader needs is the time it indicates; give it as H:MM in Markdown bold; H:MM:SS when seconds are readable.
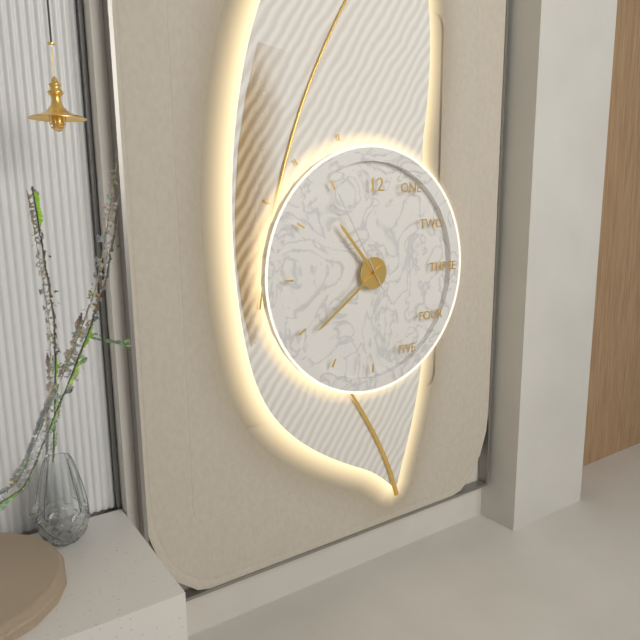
**10:39:55**
